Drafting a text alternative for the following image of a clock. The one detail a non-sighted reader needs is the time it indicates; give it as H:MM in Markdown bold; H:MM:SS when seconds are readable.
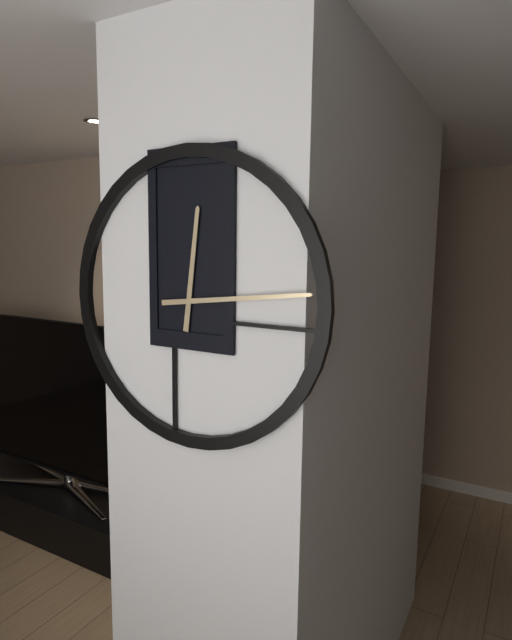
**12:14**
